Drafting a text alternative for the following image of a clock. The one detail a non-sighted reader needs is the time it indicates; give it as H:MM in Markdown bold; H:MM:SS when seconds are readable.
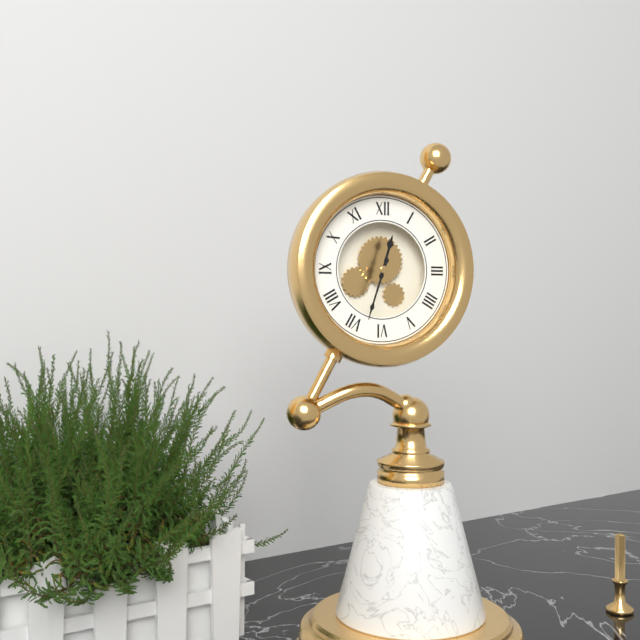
**12:33**
